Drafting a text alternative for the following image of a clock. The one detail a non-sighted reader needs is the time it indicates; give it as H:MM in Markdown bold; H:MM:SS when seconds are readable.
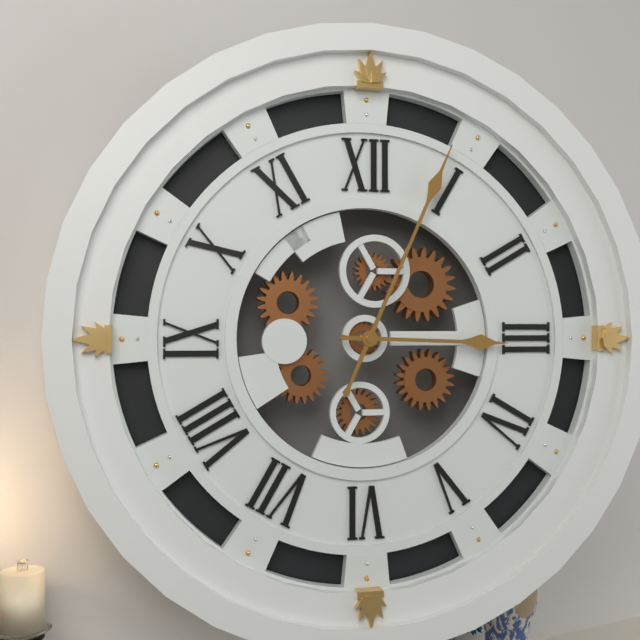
**3:04**
